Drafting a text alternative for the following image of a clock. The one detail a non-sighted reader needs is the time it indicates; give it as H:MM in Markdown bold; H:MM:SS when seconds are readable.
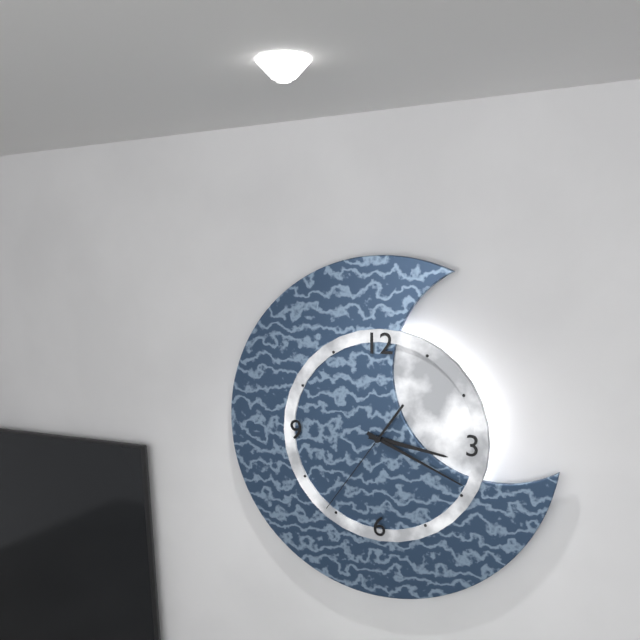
**3:19:36**
